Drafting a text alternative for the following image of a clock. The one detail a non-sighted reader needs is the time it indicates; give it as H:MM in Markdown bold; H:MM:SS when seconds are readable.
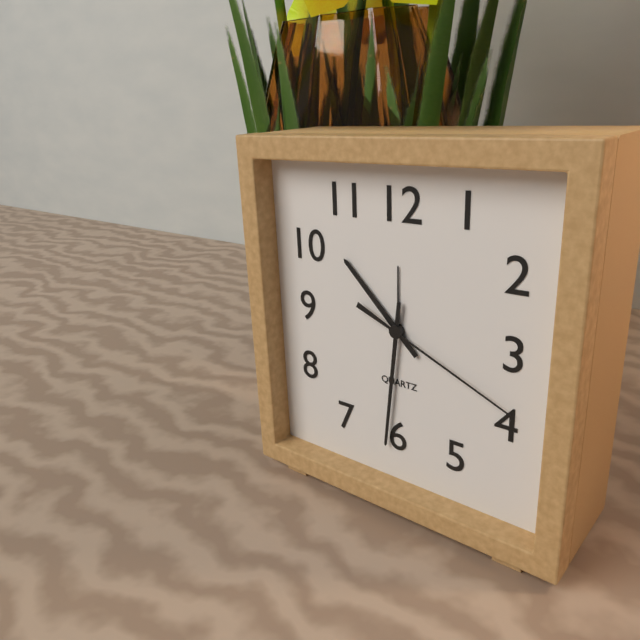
**10:31:19**
